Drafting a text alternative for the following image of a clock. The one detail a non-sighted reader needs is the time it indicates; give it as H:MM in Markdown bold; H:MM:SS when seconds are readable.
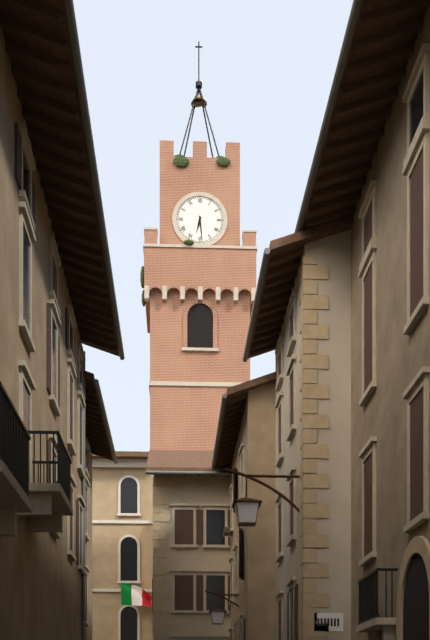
**6:29**
